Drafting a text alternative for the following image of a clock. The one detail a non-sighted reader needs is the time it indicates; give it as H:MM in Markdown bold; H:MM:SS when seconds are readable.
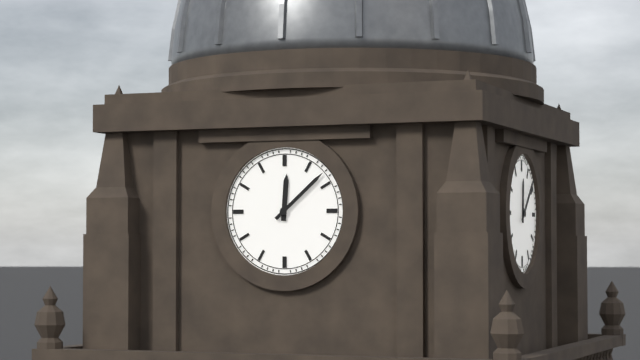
**12:08**
